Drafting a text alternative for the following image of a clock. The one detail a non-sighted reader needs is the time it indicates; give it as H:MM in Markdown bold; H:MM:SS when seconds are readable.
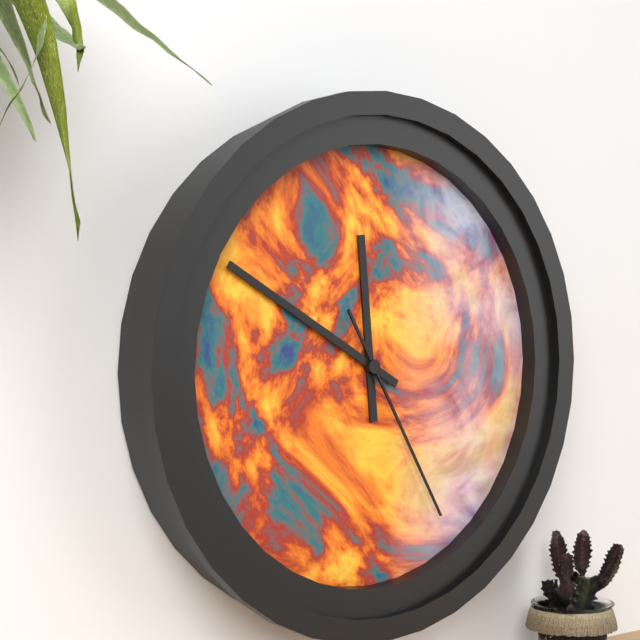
**11:50:25**
